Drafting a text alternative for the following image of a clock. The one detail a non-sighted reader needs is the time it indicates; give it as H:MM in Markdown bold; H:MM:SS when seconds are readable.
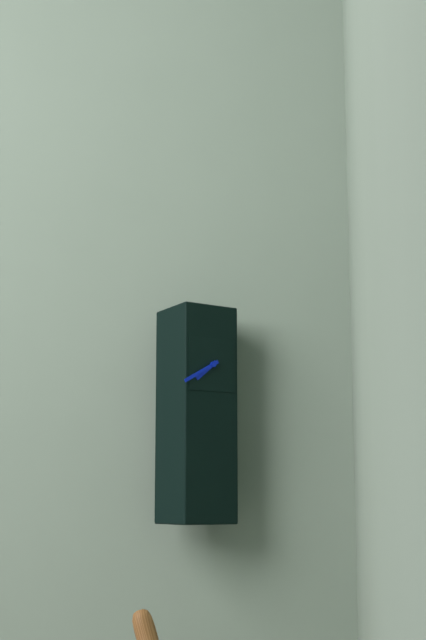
**7:40**
